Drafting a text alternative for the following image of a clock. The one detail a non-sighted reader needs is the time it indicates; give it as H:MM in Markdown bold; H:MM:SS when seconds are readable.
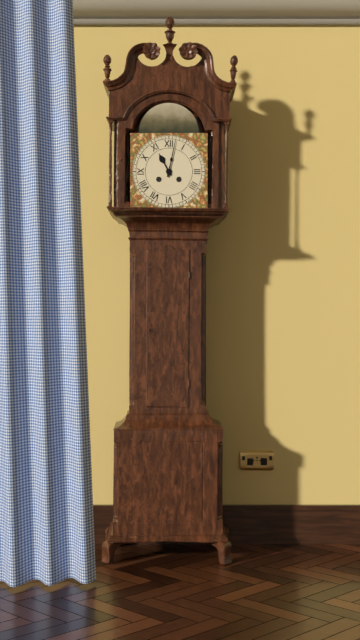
**11:02**
